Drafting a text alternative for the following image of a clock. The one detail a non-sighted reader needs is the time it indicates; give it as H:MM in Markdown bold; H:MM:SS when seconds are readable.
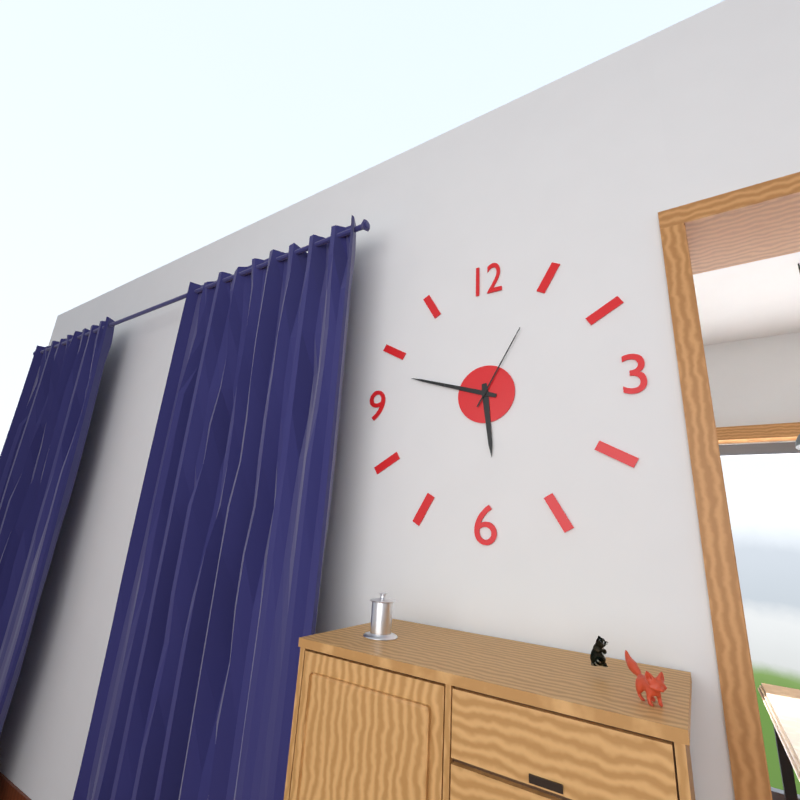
**5:48:05**
